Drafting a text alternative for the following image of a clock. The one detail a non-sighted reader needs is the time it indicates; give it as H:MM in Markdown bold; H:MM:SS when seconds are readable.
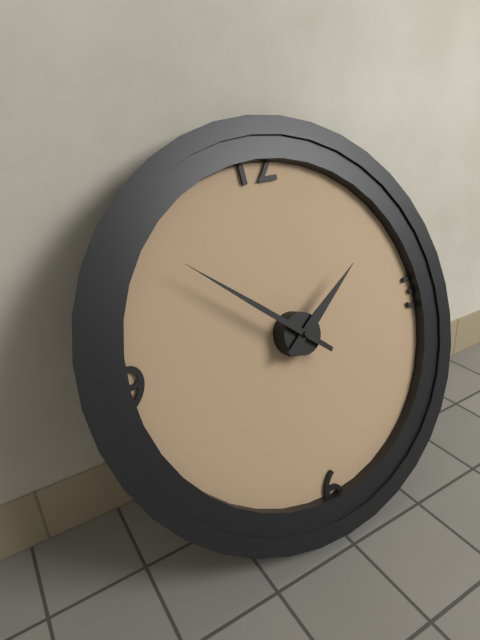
**1:52**
